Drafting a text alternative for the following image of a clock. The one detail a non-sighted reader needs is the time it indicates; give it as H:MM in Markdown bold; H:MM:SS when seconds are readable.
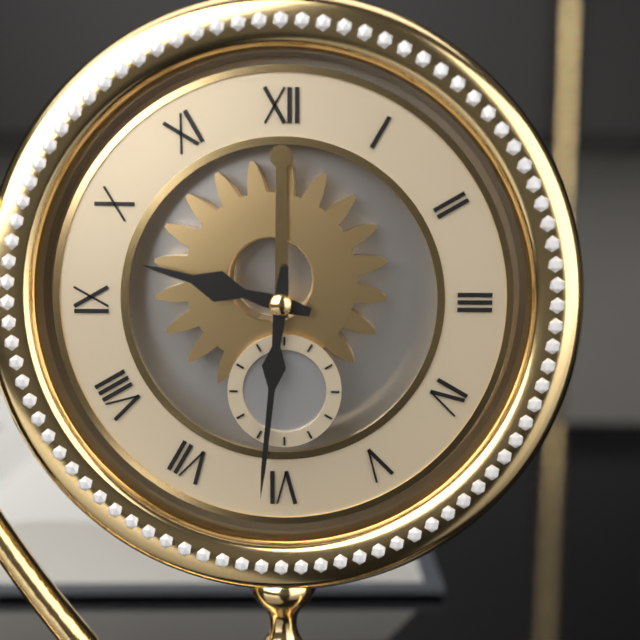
**9:31**
